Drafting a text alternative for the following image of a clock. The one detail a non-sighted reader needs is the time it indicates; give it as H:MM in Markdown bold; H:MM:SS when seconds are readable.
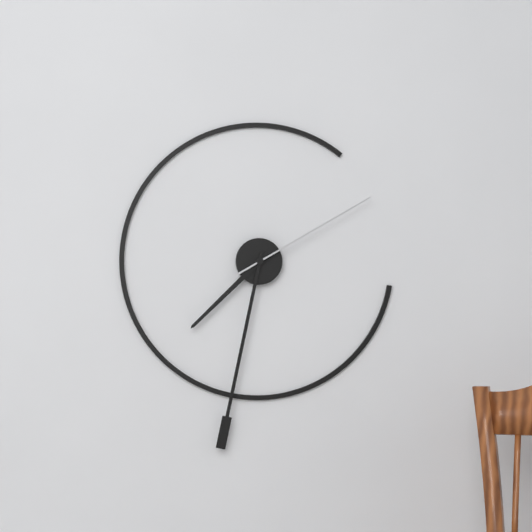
**7:32:10**
